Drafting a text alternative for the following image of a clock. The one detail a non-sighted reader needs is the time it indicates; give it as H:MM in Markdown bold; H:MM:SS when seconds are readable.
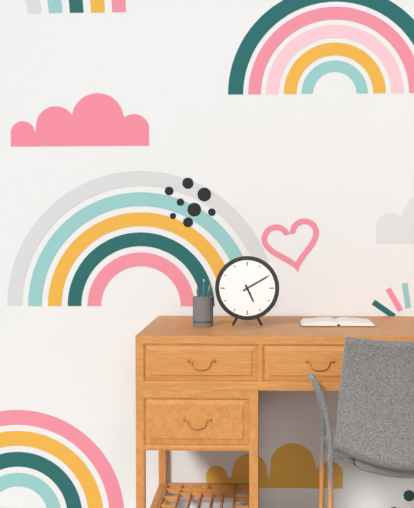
**5:10**
